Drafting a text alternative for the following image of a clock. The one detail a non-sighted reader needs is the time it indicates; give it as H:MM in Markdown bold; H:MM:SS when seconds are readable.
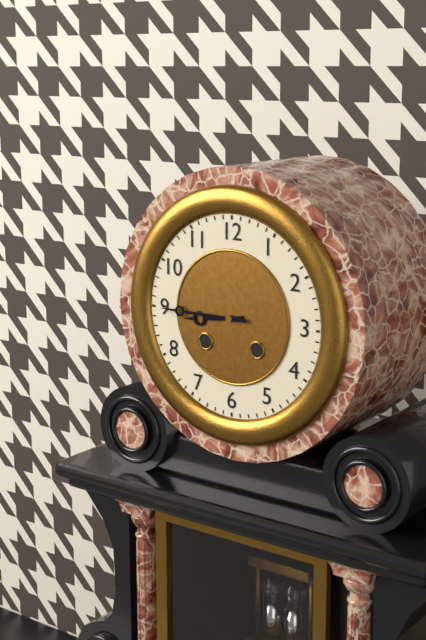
**8:45**
